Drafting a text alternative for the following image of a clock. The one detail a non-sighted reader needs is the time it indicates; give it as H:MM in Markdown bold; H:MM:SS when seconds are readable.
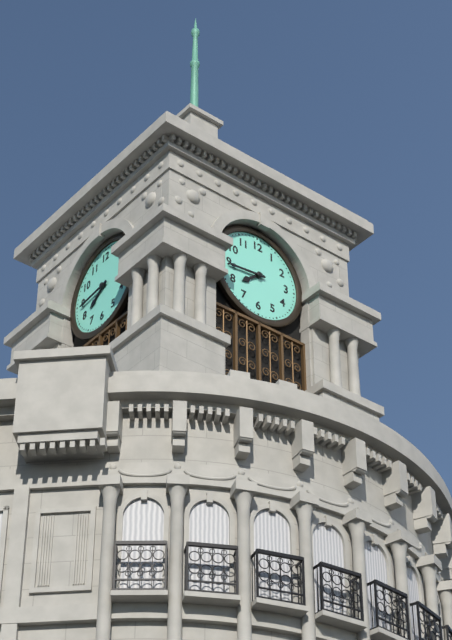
**7:44**
